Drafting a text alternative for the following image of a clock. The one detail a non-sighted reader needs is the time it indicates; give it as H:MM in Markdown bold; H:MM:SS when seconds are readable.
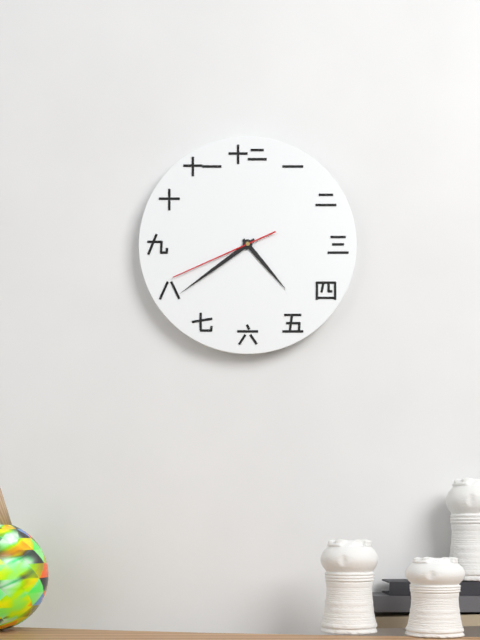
**4:39:41**
